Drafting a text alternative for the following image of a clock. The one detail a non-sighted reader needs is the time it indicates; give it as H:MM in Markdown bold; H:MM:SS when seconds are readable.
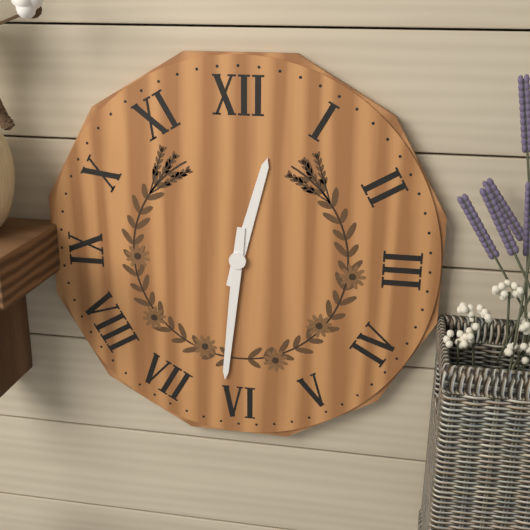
**12:31**
